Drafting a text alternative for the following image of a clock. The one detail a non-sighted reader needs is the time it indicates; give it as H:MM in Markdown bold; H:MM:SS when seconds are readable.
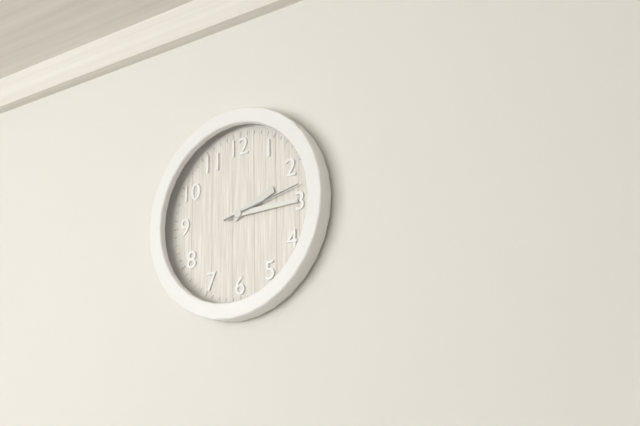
**2:15:13**
